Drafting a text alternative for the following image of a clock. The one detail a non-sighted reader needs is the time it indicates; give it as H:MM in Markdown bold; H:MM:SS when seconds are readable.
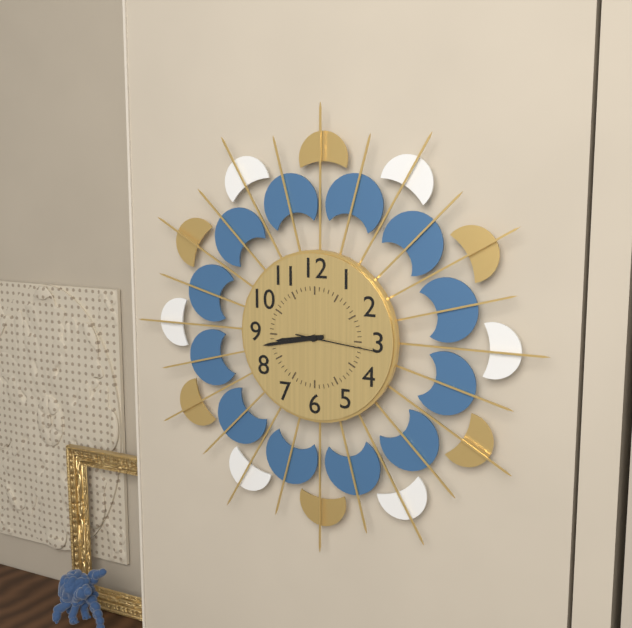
**8:43:16**
